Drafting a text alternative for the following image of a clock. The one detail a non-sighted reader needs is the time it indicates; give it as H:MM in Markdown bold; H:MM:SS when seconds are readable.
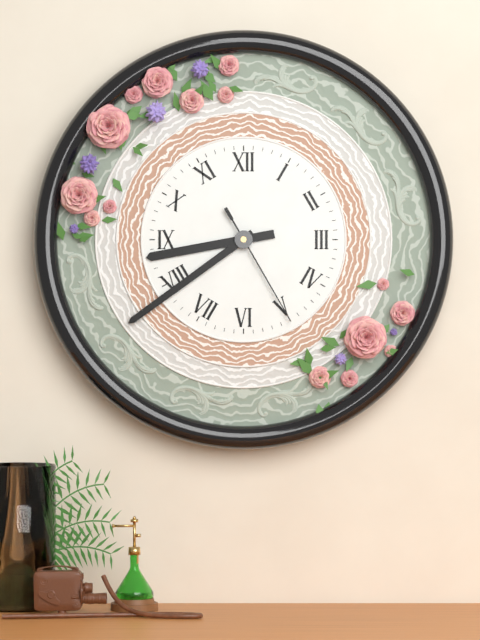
**8:39:25**
